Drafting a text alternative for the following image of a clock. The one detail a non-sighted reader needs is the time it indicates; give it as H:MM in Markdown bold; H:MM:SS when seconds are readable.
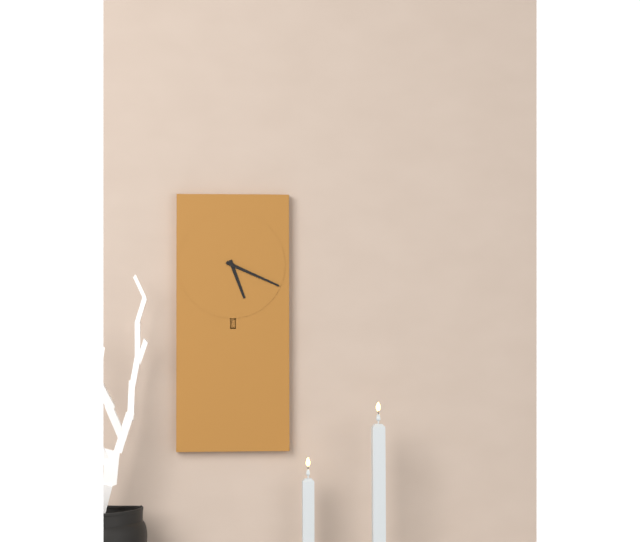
**5:19**
